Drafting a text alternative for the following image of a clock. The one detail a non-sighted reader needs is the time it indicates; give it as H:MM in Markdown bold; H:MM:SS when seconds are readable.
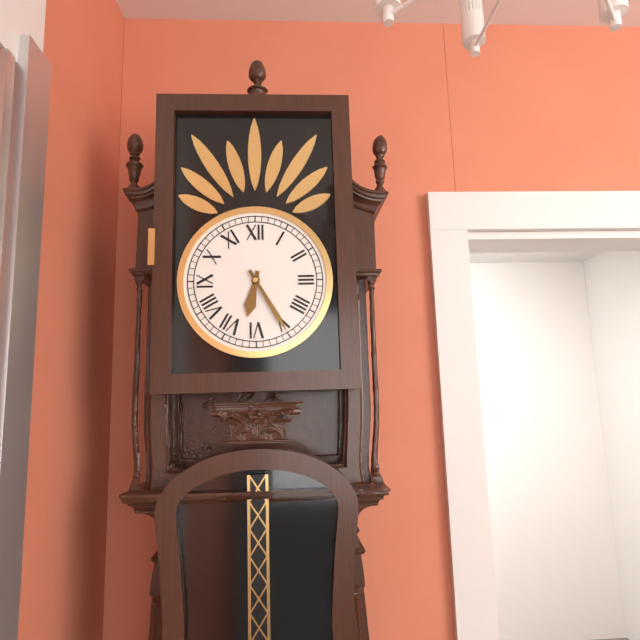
**6:25**
